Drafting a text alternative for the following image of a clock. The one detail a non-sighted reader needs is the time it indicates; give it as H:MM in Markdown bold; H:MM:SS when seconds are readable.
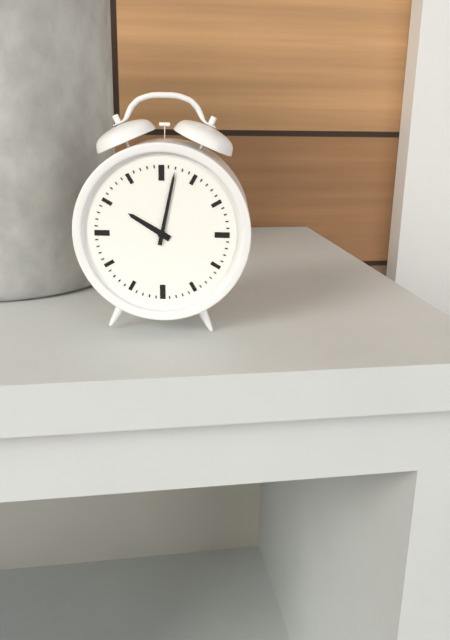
**10:02**
